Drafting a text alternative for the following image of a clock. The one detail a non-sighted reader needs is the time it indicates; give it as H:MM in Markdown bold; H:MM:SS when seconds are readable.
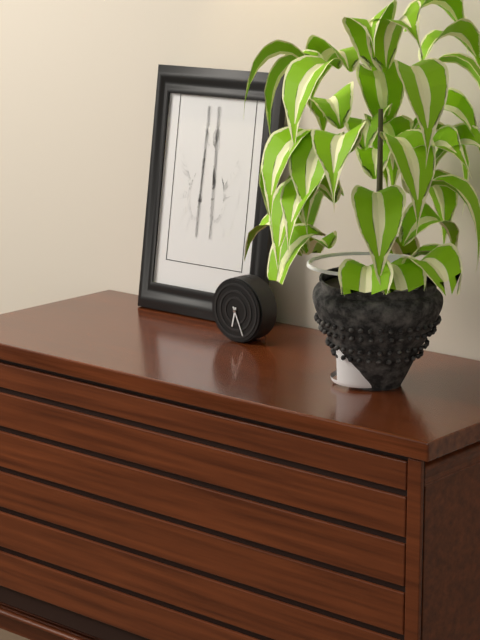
**6:26**
